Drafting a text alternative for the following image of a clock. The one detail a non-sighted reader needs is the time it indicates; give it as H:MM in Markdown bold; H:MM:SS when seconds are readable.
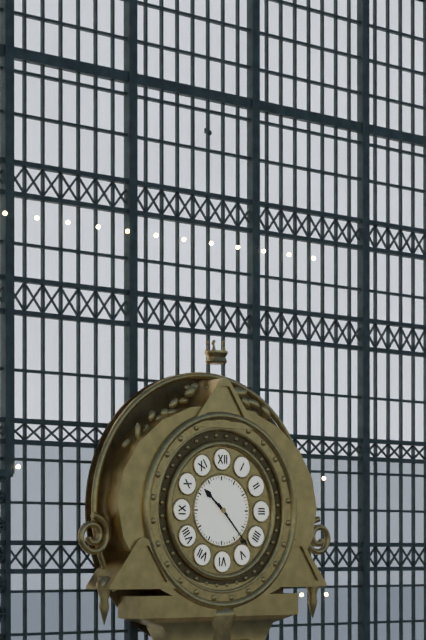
**10:23**
